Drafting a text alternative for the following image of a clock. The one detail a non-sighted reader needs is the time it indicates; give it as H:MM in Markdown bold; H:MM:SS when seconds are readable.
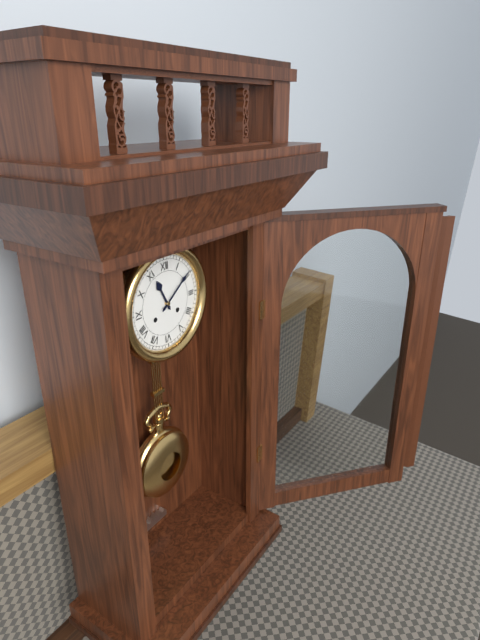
**11:09**
